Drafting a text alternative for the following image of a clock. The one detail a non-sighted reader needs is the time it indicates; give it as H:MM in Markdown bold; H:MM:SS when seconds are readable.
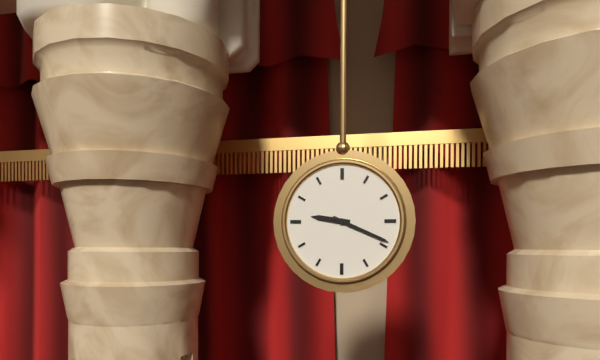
**9:19**
